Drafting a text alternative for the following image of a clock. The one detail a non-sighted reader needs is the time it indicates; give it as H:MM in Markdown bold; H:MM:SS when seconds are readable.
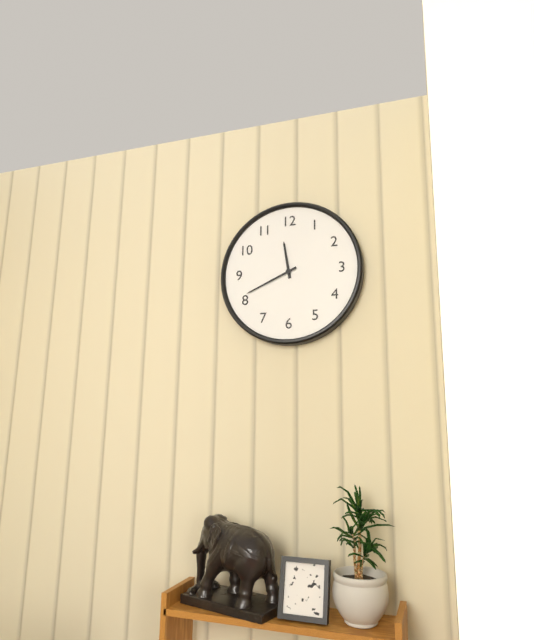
**11:41**
